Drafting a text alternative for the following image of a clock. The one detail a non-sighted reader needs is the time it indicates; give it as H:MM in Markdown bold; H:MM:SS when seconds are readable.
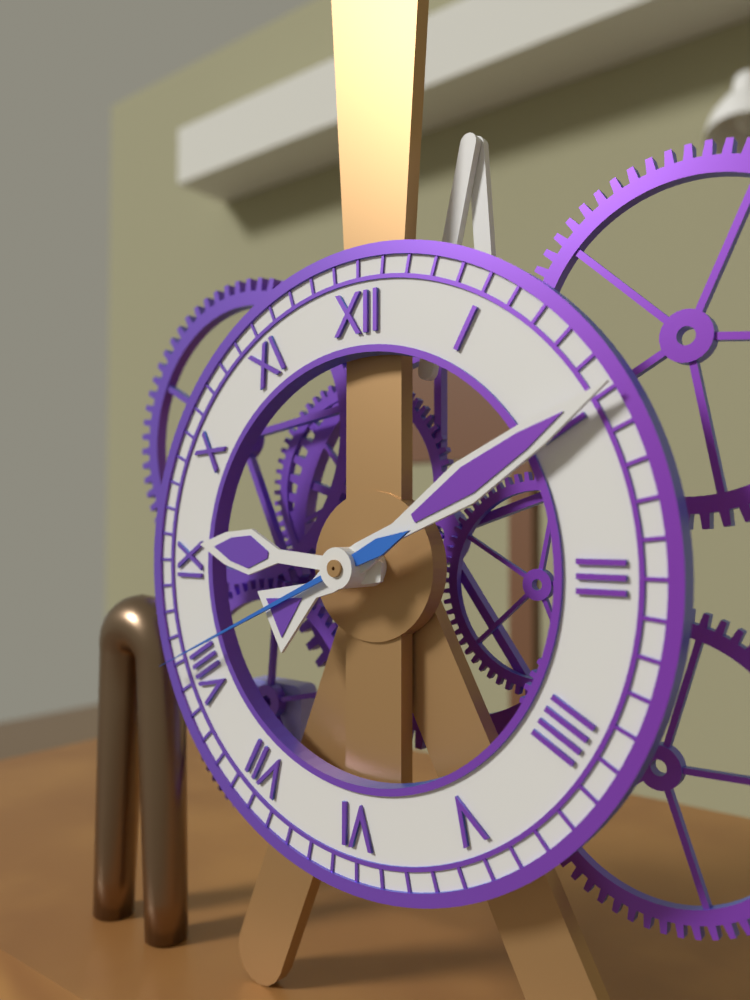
**9:10:41**
